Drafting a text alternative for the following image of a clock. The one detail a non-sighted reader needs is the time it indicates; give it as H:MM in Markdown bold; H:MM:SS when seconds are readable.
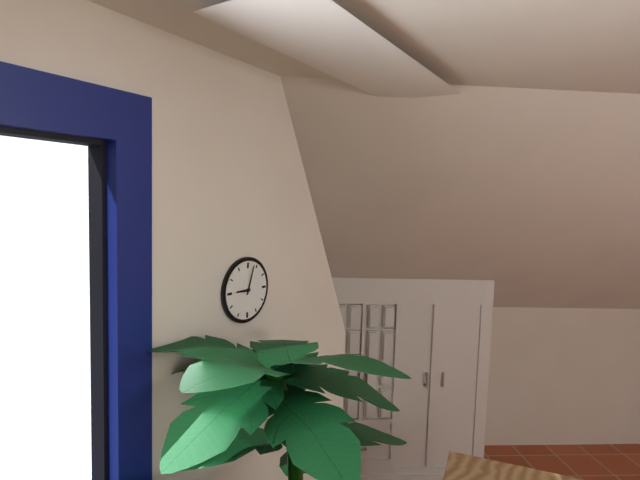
**9:03**
